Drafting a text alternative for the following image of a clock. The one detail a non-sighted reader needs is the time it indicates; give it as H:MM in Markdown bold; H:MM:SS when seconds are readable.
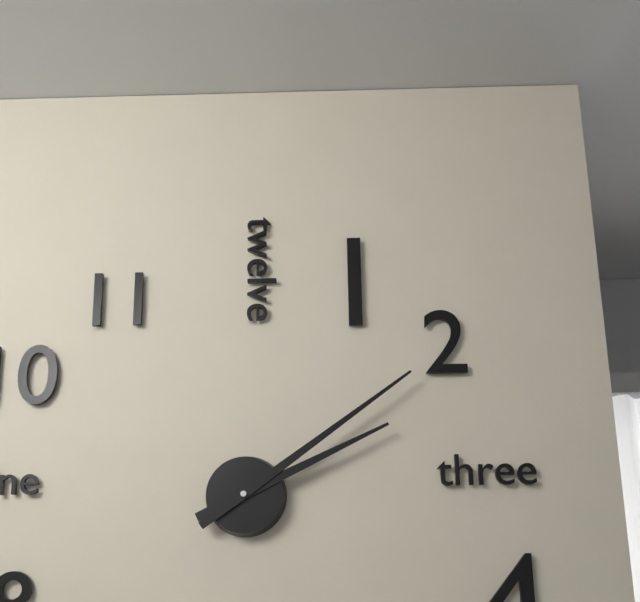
**2:09**
